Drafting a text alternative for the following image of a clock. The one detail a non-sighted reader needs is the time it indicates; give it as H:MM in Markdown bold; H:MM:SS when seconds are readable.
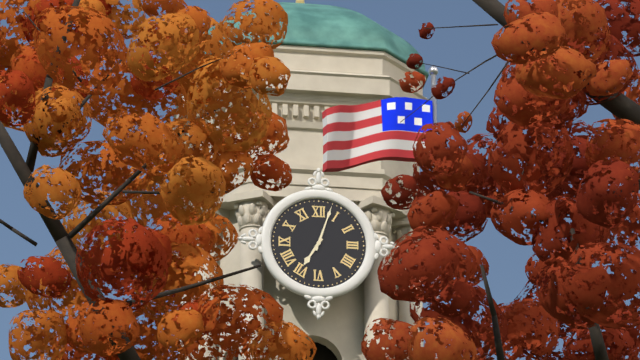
**7:03**
